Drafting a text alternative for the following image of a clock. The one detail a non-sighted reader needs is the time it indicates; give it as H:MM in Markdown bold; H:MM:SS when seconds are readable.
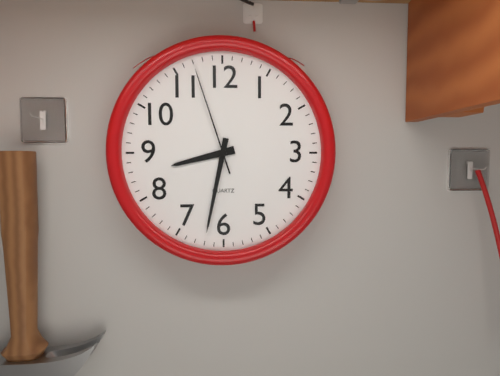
**8:32:57**
